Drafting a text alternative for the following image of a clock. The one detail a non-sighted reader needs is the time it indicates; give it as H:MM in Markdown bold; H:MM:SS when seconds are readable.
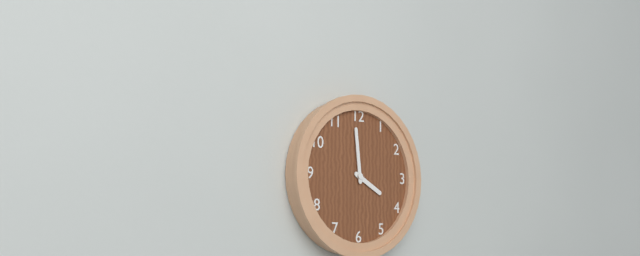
**3:59**
